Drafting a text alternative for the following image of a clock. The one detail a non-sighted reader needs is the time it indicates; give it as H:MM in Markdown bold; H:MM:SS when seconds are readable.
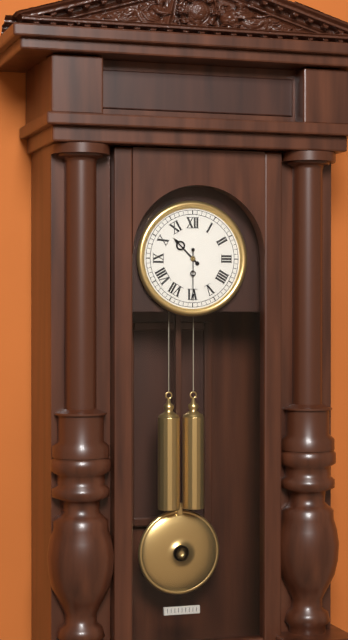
**10:30**
